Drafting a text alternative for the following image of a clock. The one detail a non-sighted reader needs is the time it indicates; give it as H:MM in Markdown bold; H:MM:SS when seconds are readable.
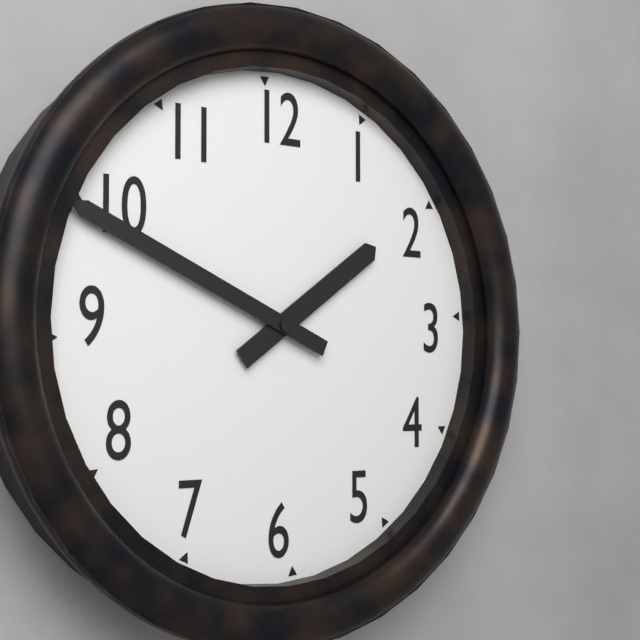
**1:49**
